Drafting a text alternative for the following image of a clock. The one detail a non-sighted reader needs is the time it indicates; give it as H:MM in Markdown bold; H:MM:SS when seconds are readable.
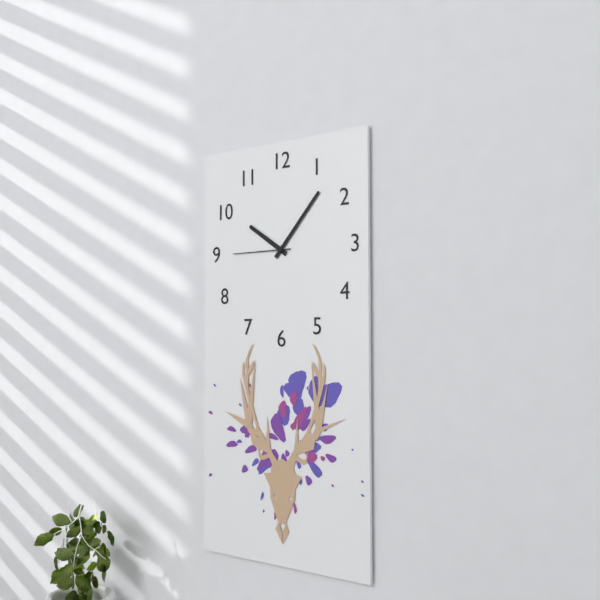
**10:07:45**
